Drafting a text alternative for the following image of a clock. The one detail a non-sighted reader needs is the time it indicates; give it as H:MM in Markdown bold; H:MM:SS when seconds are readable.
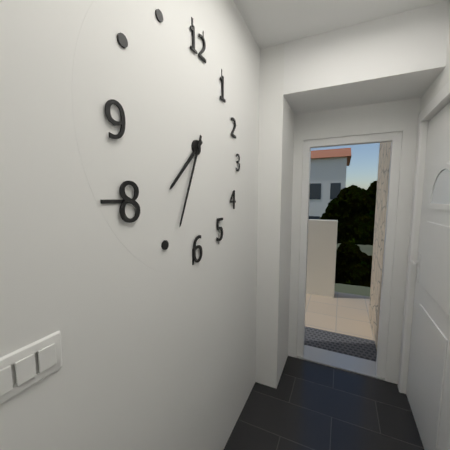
**7:34**
